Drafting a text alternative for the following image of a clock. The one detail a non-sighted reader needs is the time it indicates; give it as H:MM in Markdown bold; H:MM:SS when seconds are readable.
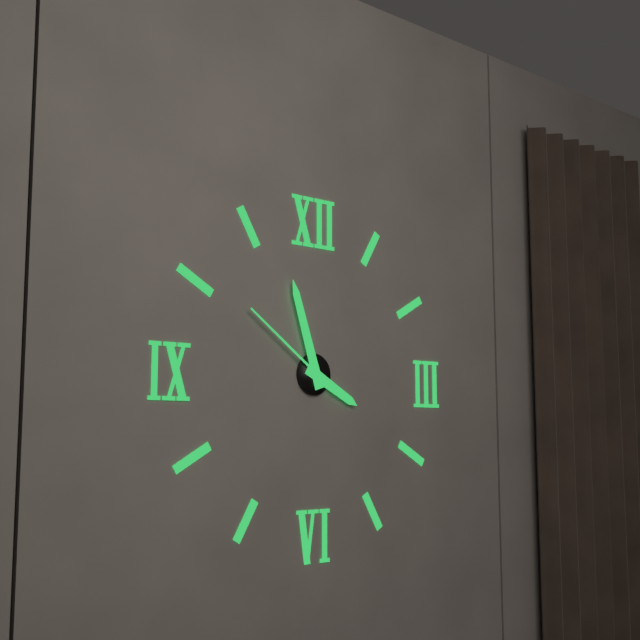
**3:57:51**
